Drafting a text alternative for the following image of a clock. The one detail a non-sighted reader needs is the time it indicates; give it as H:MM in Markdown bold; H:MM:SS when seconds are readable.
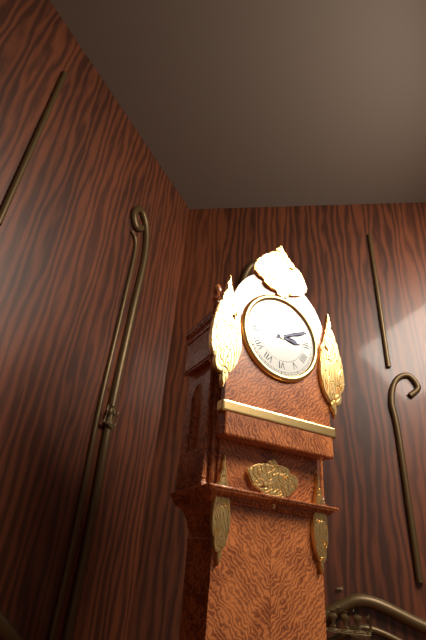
**3:11**
